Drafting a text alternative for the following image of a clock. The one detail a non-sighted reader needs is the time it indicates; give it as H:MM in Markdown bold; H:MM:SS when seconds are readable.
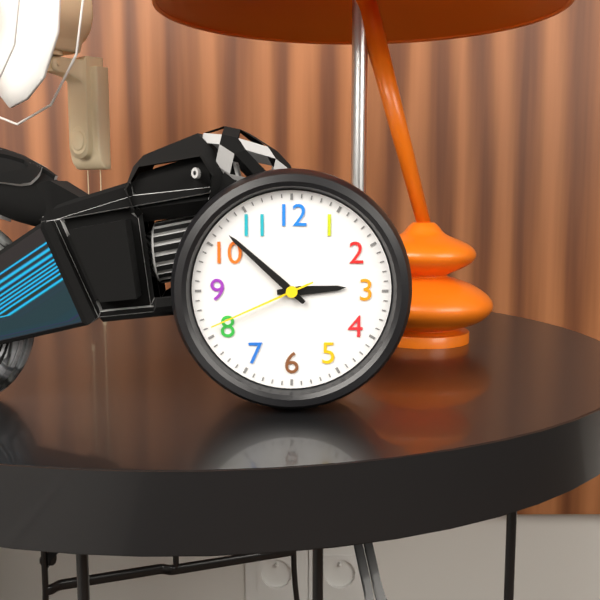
**2:52:41**
